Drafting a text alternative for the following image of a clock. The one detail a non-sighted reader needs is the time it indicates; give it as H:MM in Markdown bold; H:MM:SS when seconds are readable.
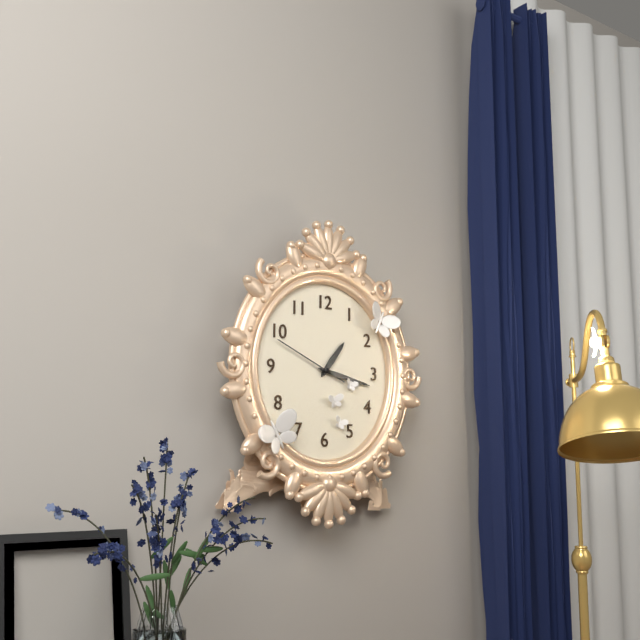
**1:17:49**
